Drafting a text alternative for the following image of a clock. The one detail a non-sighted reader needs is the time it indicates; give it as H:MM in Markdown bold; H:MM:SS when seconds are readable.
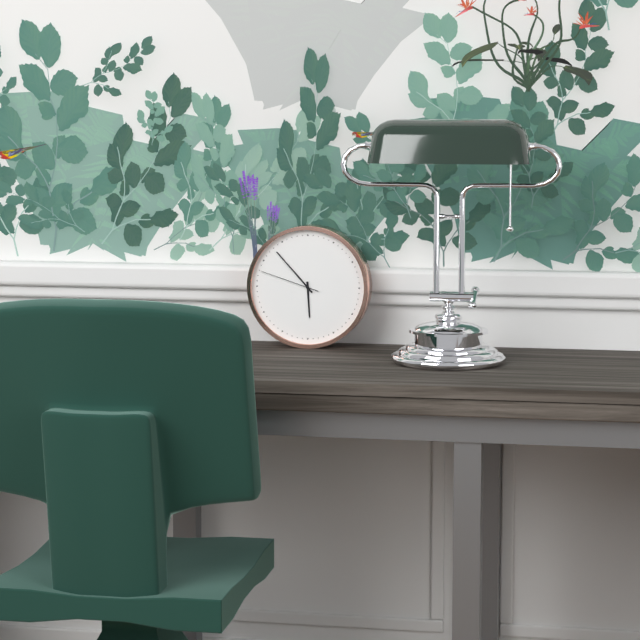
**5:53:48**
